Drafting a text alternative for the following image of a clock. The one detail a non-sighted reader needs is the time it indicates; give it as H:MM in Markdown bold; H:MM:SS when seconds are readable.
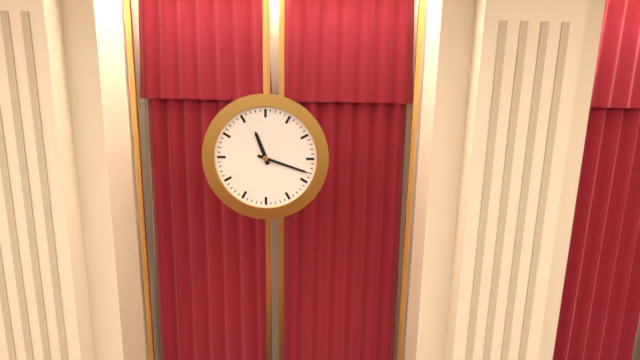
**11:18**
